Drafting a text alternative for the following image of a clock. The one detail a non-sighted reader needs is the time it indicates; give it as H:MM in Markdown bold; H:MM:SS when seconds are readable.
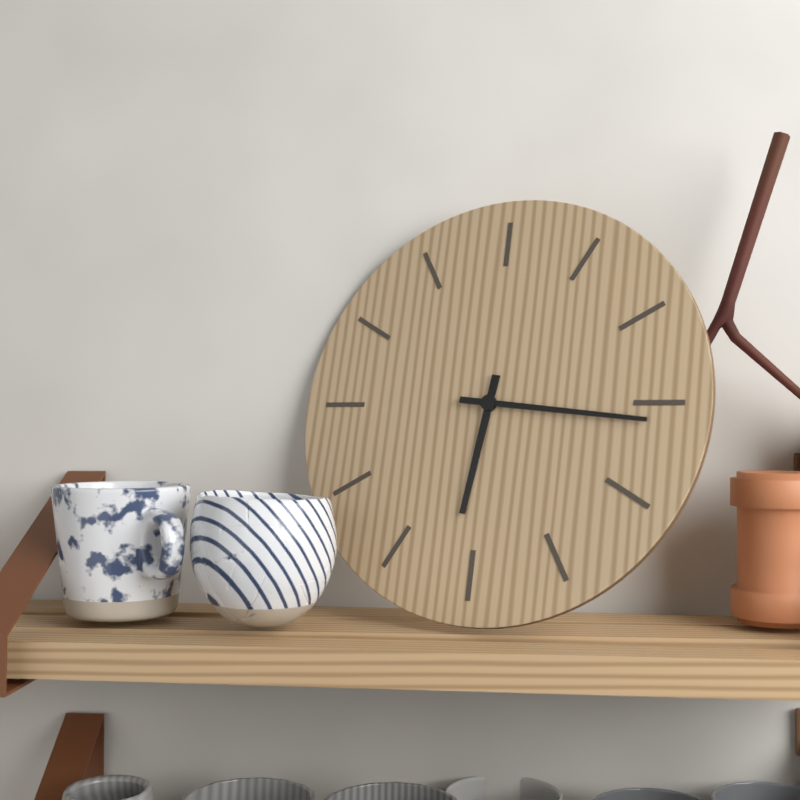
**6:16**
